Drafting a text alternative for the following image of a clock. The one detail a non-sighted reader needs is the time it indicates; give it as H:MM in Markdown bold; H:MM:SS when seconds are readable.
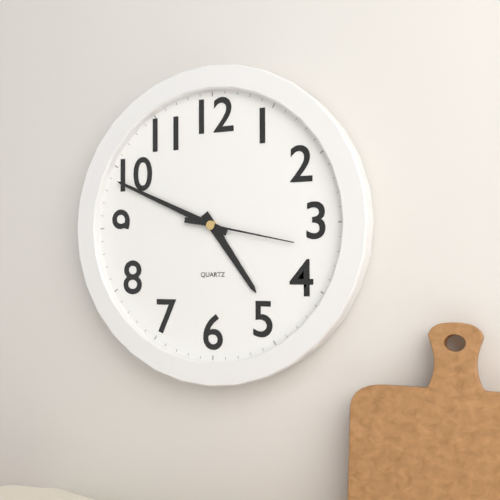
**4:49:17**
